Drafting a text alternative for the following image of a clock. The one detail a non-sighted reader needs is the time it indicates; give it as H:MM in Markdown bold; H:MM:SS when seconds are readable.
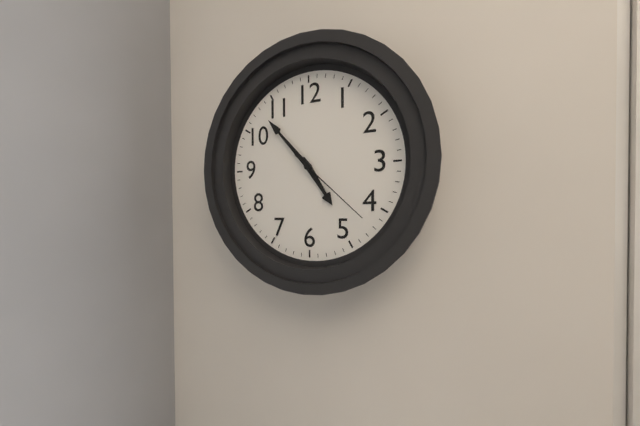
**4:53:22**
